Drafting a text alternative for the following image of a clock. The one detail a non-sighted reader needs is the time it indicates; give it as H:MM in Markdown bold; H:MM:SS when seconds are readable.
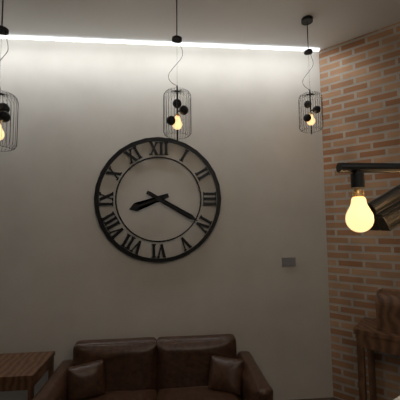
**8:20**
